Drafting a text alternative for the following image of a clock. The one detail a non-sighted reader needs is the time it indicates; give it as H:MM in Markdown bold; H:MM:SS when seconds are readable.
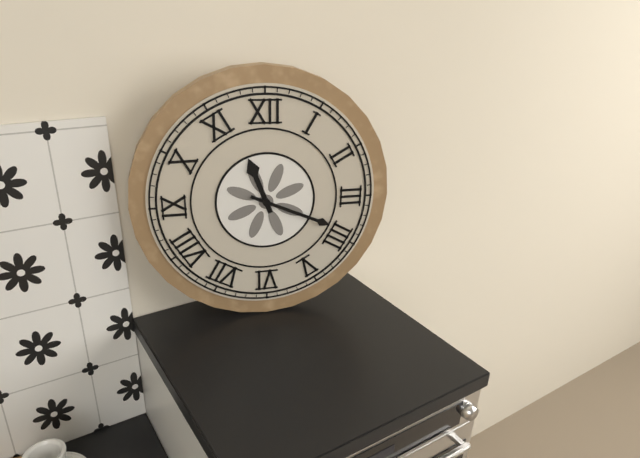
**11:19**
